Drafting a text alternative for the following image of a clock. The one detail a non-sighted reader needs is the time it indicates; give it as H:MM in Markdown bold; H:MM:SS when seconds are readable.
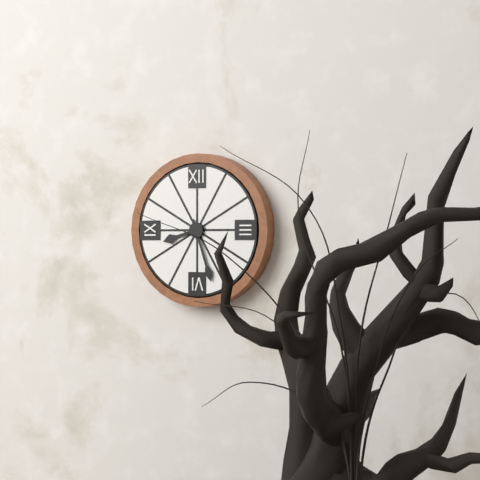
**8:27**
